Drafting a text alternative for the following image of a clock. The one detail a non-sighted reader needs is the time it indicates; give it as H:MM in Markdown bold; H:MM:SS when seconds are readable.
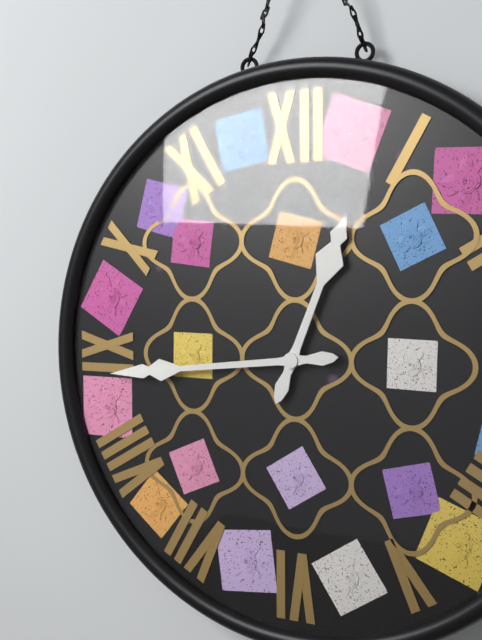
**12:44**
